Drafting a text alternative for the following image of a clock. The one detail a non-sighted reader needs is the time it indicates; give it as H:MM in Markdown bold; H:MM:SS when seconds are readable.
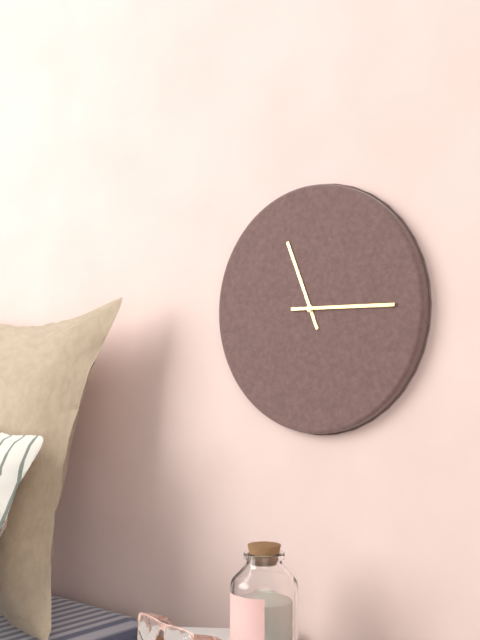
**11:15**
